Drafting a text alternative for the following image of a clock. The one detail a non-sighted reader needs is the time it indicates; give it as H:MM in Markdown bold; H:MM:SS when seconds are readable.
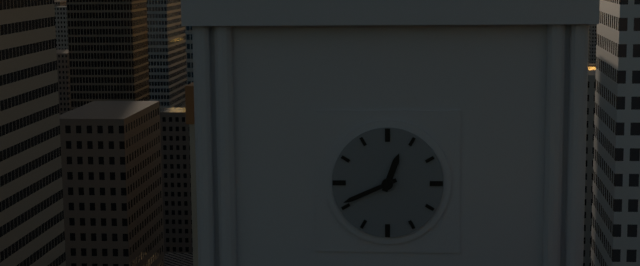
**12:41**
